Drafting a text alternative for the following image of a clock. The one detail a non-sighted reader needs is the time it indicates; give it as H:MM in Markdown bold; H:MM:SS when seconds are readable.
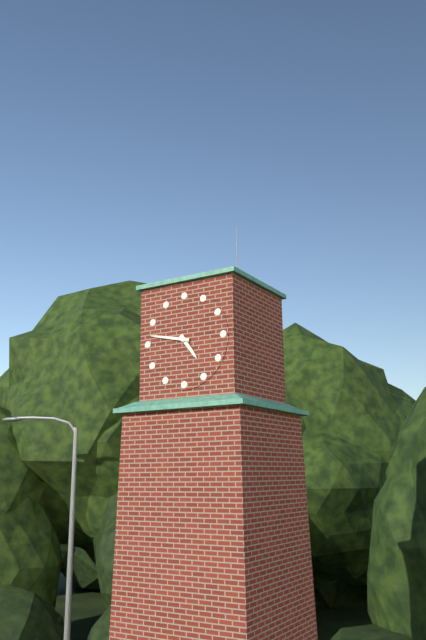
**4:47**
